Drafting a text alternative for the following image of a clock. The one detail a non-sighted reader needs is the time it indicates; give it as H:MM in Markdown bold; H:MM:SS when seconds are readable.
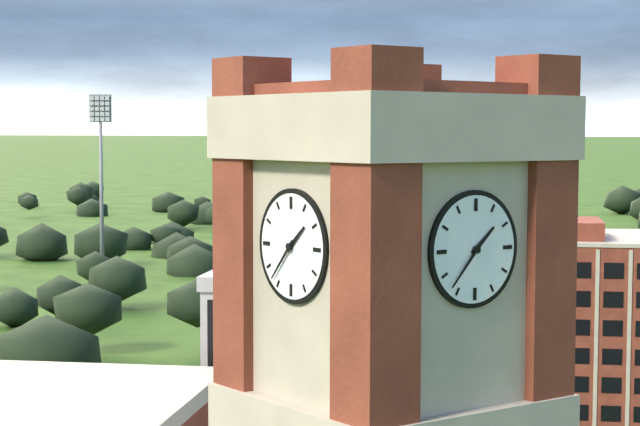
**1:37**
